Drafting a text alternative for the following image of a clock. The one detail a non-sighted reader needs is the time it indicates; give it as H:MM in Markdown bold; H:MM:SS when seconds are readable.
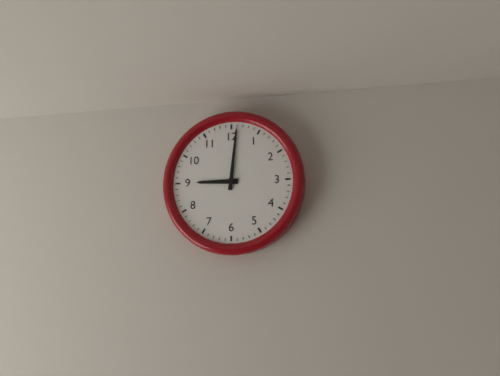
**9:01**
